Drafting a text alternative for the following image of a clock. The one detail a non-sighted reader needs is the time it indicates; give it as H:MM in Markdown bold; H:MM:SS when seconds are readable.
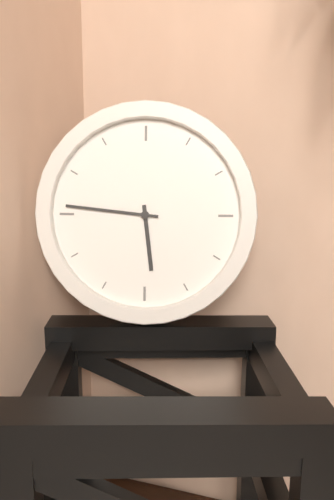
**5:46**
